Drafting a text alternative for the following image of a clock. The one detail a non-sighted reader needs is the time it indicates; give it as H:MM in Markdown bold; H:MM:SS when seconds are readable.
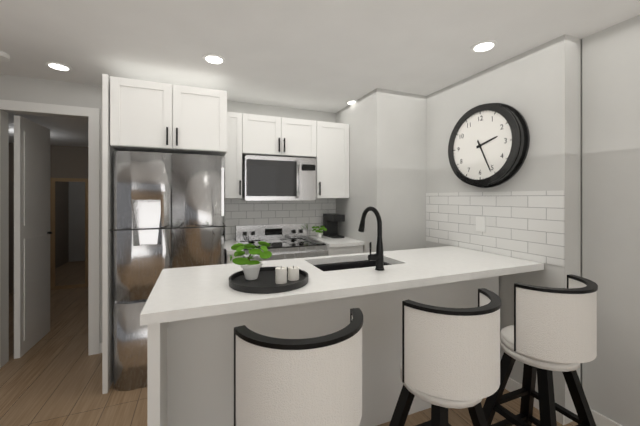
**2:26**
